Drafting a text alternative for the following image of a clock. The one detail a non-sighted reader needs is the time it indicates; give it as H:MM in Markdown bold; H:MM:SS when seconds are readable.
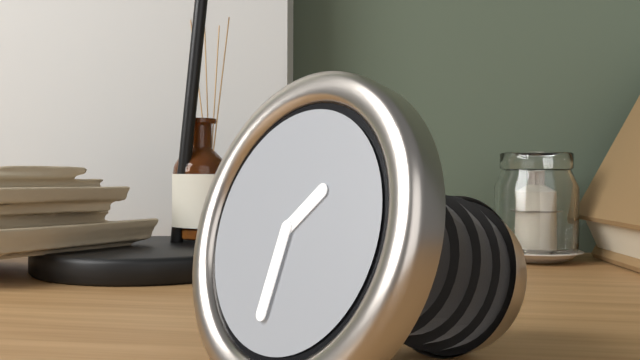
**1:31**
